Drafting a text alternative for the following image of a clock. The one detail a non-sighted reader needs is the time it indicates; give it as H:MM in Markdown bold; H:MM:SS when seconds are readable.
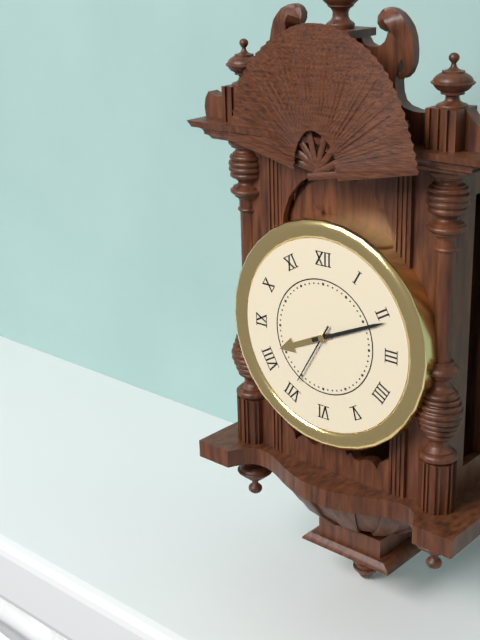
**8:11:35**
